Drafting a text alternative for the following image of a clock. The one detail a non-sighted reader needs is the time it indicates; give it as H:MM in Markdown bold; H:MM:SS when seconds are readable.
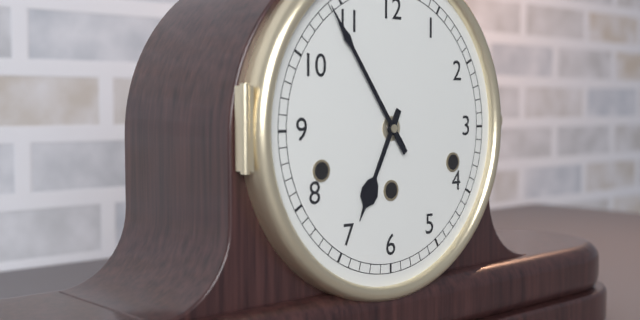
**6:54**
